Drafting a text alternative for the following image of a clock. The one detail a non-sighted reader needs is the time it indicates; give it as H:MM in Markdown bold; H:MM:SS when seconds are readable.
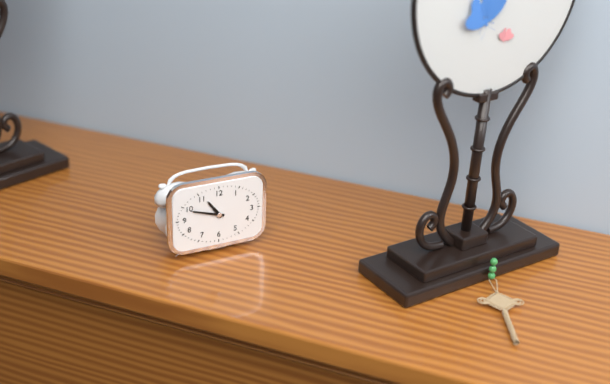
**10:48**
